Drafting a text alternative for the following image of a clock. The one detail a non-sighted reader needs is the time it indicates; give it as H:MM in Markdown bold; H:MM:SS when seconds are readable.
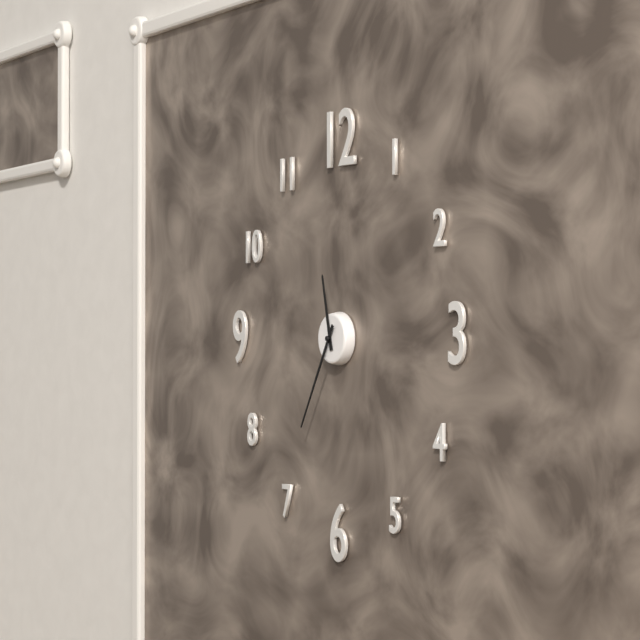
**11:35**
